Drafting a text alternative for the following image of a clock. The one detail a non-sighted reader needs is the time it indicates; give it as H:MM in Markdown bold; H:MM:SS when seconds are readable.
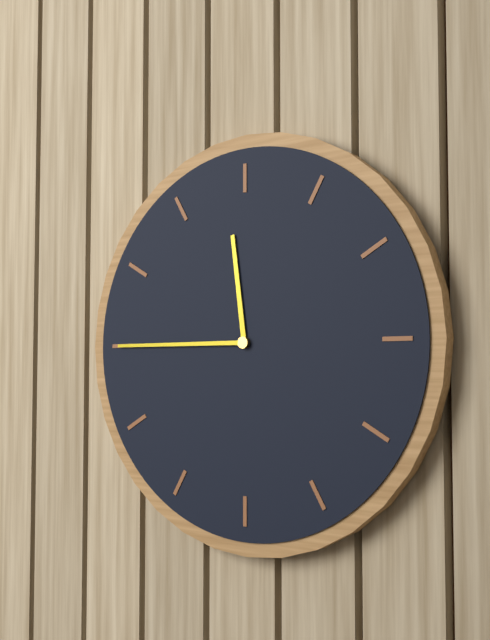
**11:45**
